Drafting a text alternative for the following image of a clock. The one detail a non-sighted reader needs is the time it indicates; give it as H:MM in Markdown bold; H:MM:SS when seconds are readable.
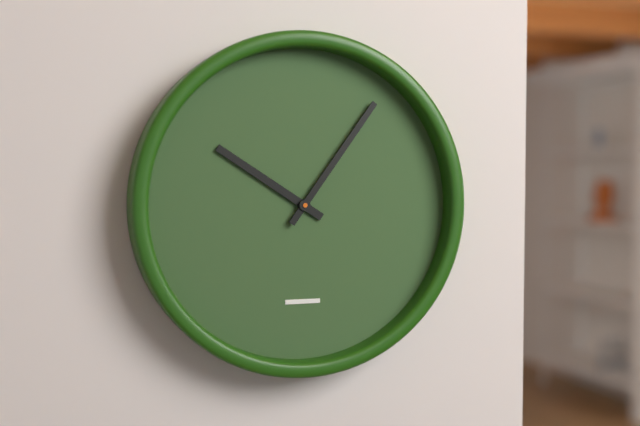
**10:06**
